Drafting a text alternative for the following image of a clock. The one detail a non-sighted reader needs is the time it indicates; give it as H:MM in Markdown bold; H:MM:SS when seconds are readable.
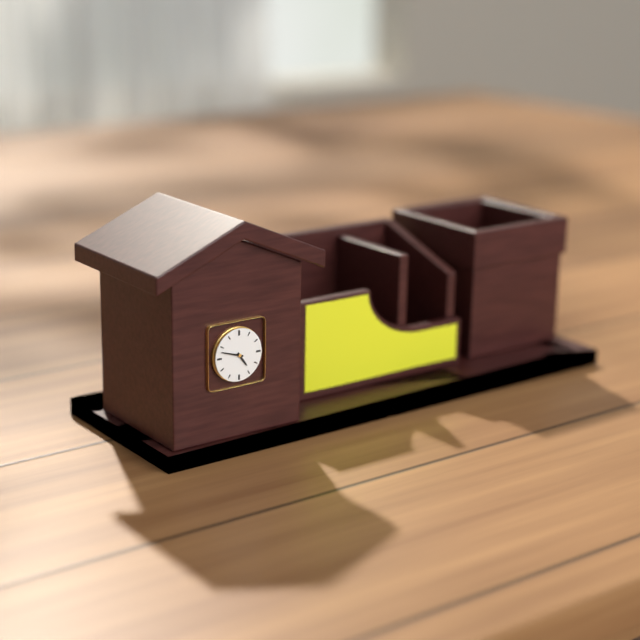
**4:48**
